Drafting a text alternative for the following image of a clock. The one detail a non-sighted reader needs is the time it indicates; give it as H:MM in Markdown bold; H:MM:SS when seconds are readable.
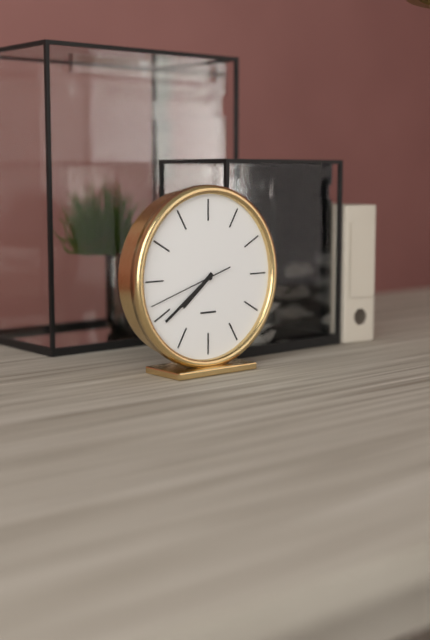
**7:39:42**
